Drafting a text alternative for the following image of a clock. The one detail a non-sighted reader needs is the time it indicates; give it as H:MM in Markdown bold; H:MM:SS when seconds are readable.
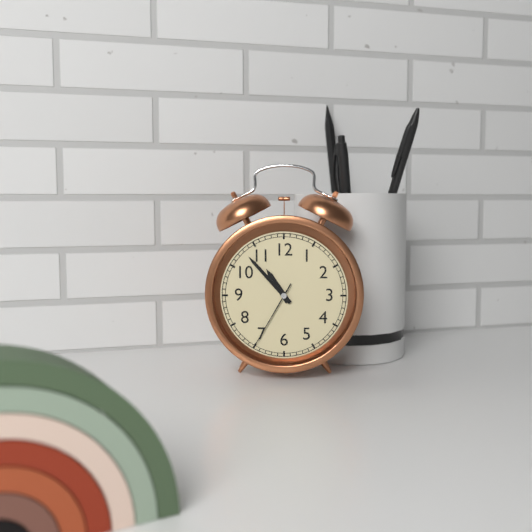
**10:53:35**
